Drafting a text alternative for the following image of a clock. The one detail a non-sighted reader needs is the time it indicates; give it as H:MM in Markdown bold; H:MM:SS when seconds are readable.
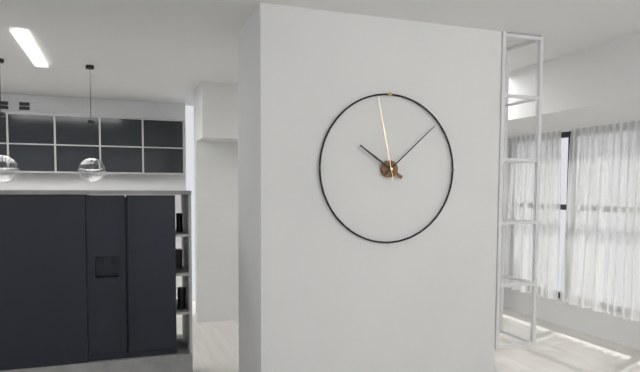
**10:08:58**
